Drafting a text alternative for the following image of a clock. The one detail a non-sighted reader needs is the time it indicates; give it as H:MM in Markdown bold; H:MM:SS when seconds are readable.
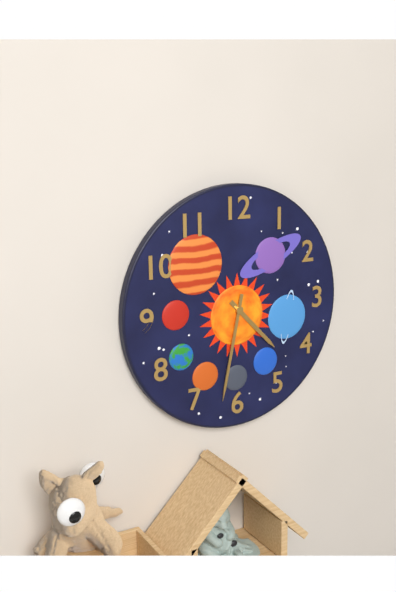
**4:32**
